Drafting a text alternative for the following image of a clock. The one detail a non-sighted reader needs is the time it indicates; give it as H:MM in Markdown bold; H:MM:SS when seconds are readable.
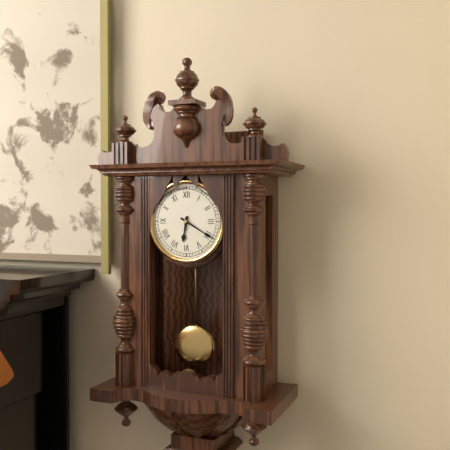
**6:20**
